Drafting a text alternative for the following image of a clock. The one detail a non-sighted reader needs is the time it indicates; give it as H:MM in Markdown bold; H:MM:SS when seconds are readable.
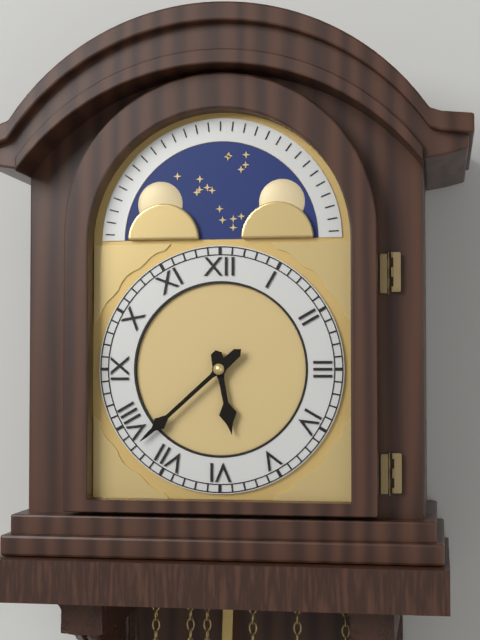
**5:38**
